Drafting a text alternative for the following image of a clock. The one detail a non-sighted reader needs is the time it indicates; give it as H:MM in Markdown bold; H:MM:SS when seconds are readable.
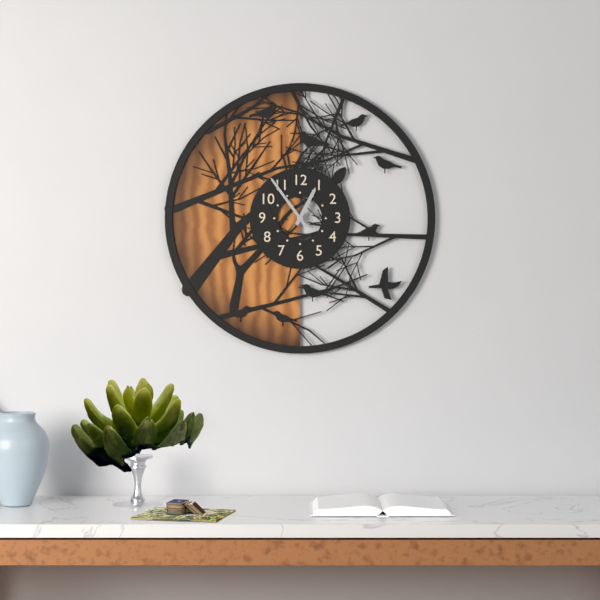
**12:54**
